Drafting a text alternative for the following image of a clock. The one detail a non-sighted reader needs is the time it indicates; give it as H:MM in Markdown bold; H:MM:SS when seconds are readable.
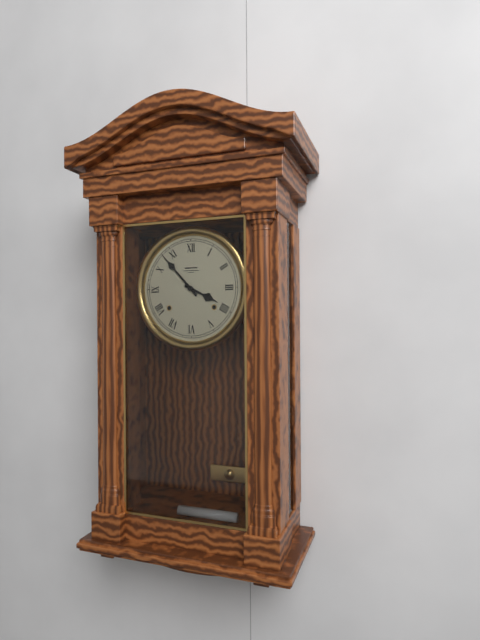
**3:53**
